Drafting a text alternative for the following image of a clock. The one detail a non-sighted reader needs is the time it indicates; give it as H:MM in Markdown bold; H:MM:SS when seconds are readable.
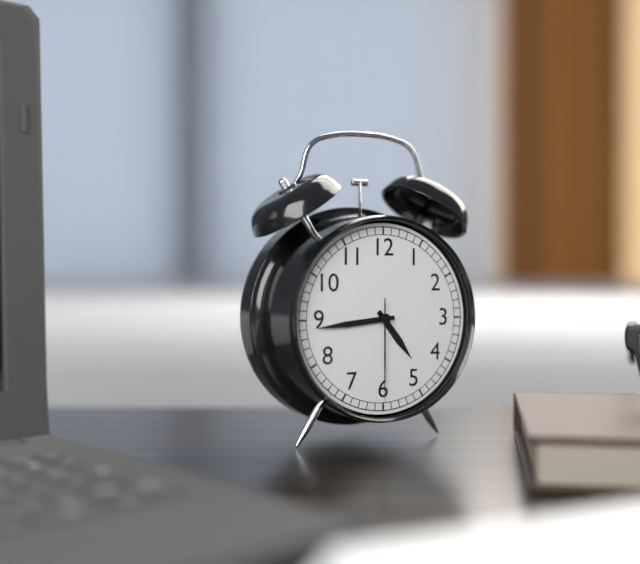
**4:44:30**
